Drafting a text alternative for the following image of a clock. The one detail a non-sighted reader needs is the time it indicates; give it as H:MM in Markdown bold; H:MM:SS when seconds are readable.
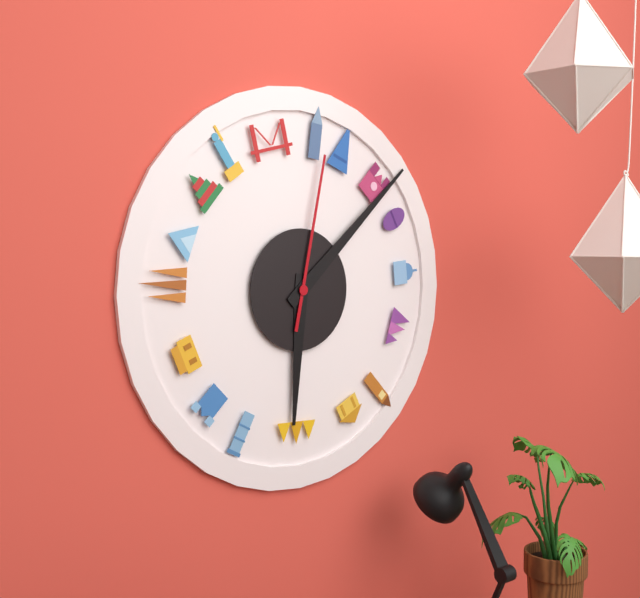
**6:08:02**
